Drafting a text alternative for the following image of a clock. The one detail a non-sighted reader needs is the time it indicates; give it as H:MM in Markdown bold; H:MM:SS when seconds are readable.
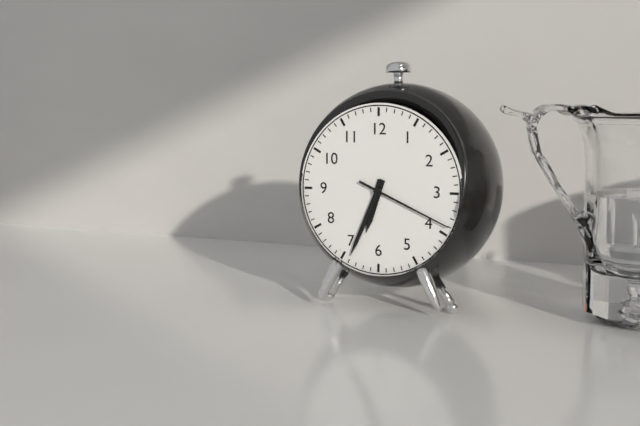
**6:34:19**
